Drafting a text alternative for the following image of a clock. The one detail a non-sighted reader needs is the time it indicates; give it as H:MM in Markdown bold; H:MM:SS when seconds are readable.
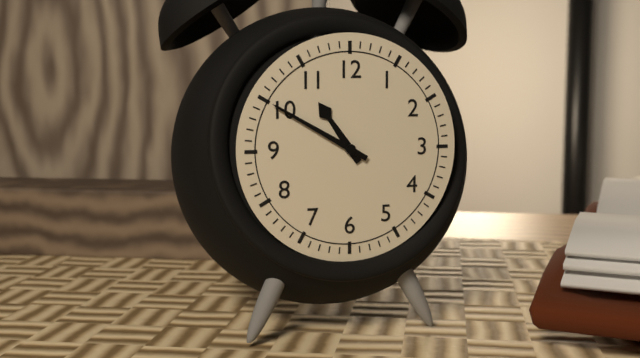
**10:50**
